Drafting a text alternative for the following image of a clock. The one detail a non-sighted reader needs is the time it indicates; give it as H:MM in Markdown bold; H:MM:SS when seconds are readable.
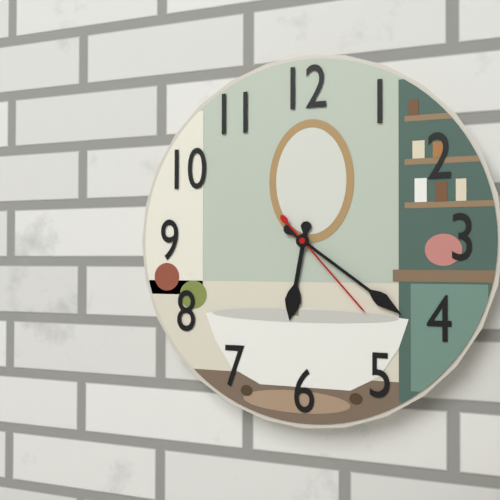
**6:21:23**
